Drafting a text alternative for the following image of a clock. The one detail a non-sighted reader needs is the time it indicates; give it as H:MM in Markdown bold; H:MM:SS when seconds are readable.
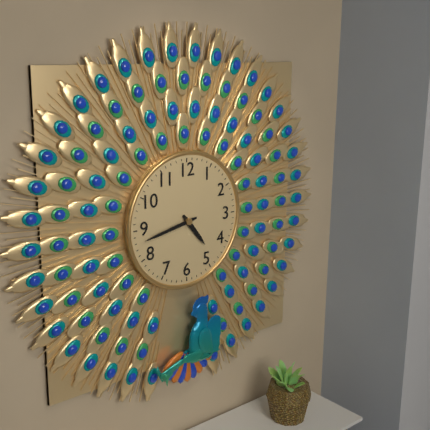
**4:43**
